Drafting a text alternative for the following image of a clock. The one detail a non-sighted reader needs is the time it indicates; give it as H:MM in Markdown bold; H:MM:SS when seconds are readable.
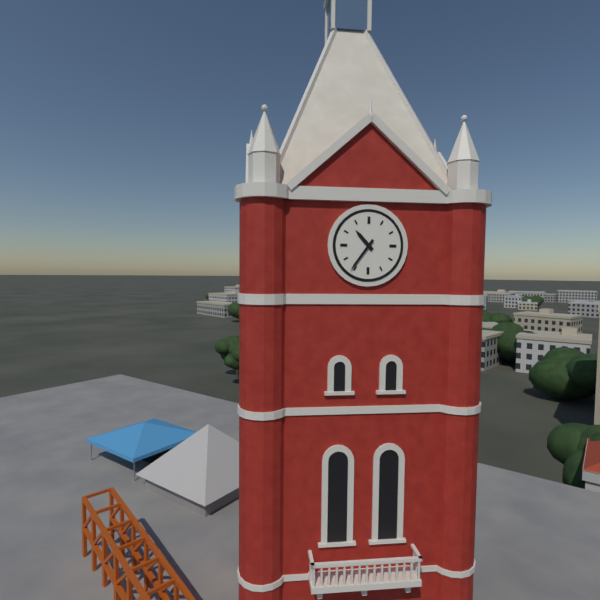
**10:36**
